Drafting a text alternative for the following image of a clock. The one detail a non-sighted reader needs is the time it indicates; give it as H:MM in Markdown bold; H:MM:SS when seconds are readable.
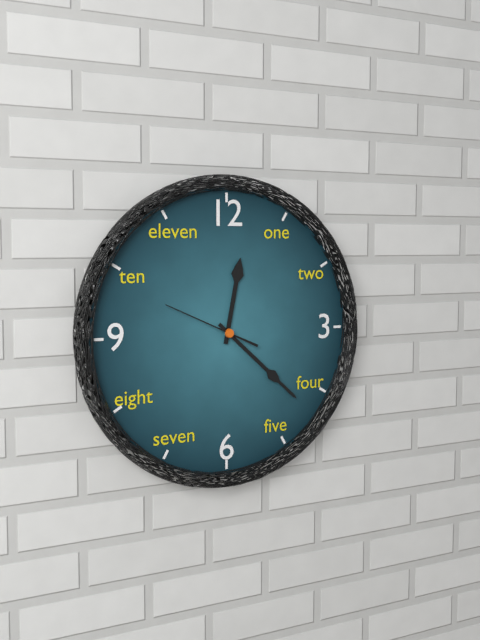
**12:22:49**
